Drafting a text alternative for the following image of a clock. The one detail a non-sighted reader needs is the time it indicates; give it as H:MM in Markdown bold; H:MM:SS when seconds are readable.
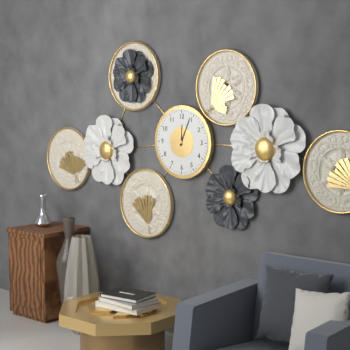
**12:04**
